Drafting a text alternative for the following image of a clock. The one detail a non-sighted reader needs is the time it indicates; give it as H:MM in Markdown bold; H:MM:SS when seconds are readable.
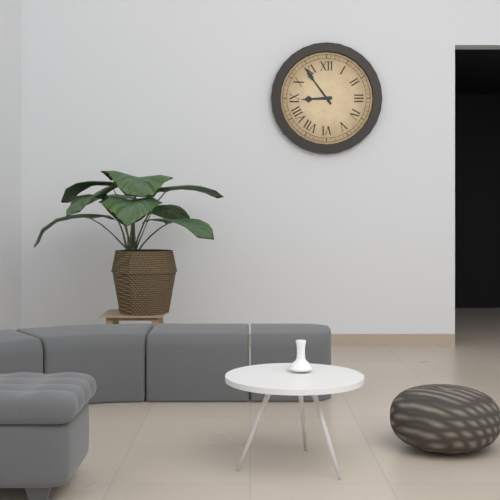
**8:54**
